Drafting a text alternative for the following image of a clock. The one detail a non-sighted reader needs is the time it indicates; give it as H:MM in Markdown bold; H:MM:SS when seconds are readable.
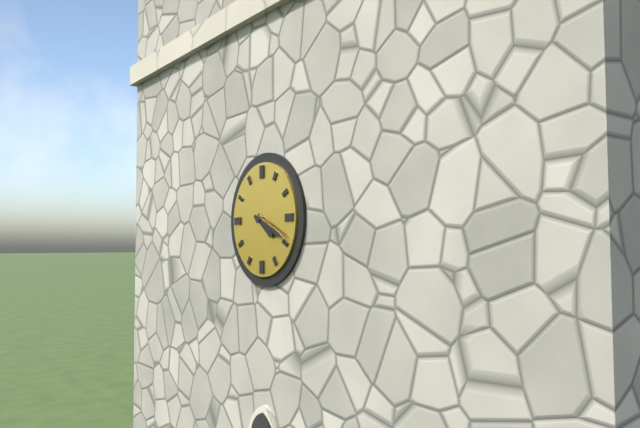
**4:19**
